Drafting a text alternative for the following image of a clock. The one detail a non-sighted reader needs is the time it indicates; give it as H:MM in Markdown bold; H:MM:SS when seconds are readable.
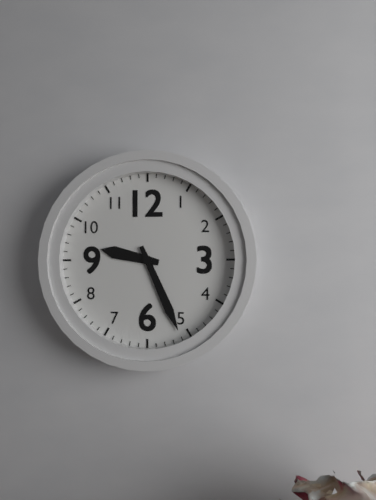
**9:26**
